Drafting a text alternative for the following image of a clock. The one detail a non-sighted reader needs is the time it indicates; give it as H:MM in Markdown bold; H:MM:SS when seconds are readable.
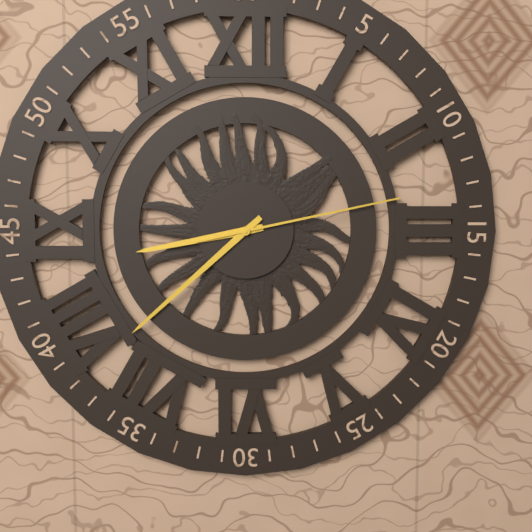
**8:38:13**
